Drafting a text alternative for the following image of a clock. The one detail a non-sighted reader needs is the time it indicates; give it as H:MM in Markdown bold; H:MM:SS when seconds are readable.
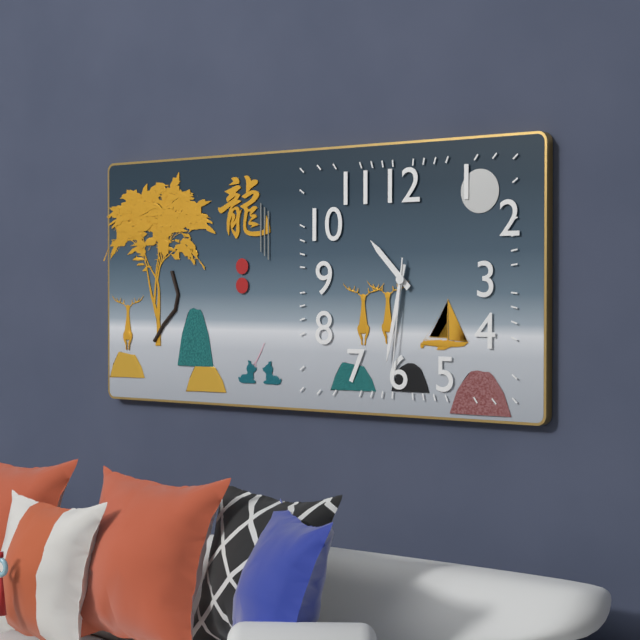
**10:32:31**
